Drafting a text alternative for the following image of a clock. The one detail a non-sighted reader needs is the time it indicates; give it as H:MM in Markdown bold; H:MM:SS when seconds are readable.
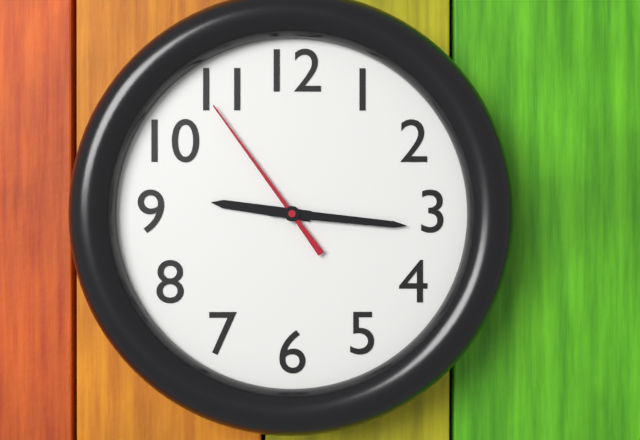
**9:16:54**
